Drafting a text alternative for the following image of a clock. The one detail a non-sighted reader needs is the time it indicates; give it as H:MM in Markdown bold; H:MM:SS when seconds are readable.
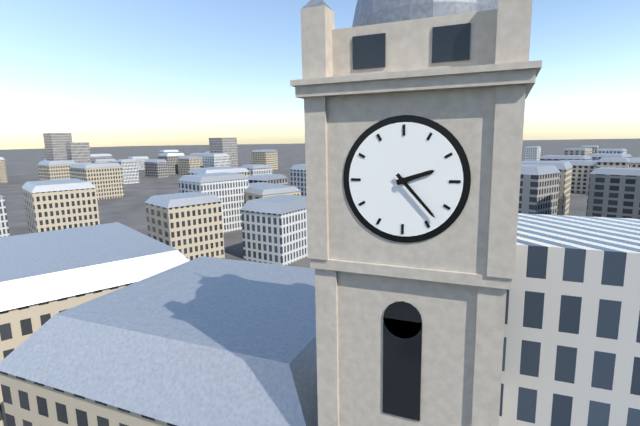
**2:23**
